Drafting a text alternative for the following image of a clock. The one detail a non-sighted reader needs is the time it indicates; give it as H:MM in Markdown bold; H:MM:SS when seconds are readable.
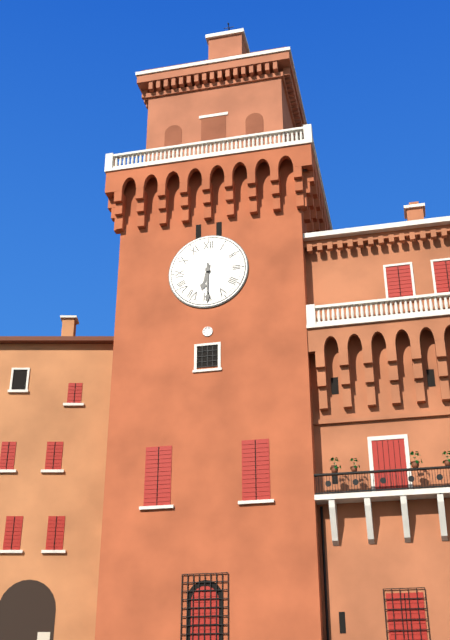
**6:30**
